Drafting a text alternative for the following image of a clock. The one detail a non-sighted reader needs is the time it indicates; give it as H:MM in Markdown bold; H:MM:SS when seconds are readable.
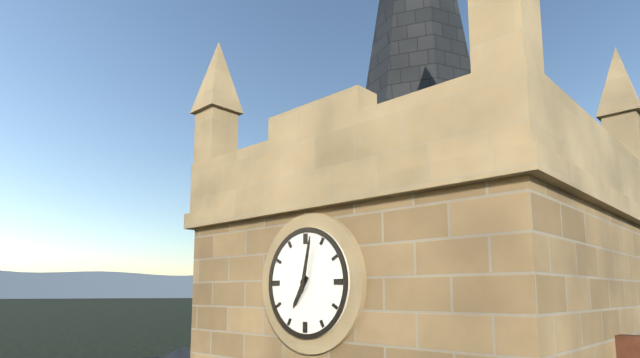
**7:02**
